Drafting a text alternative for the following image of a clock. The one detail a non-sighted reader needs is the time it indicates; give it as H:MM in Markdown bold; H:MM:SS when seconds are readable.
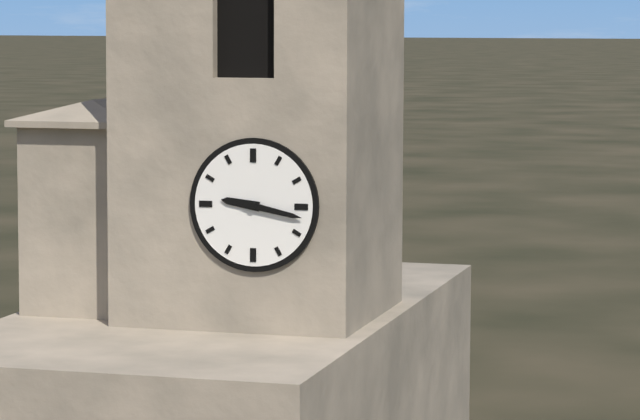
**9:17**
